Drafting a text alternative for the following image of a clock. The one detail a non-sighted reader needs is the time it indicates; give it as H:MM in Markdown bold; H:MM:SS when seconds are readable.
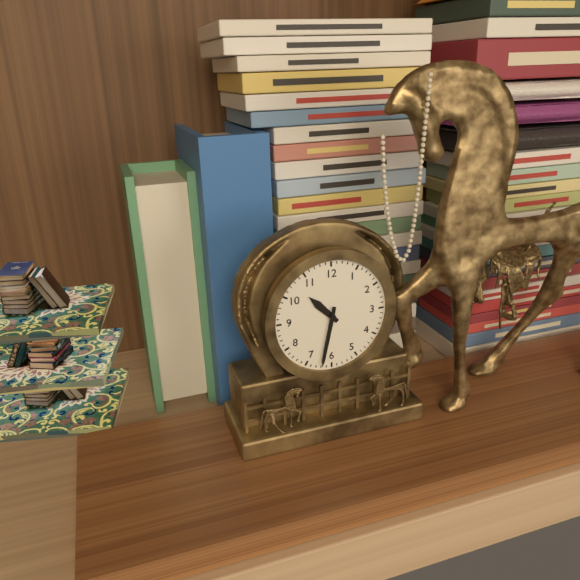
**10:32**
